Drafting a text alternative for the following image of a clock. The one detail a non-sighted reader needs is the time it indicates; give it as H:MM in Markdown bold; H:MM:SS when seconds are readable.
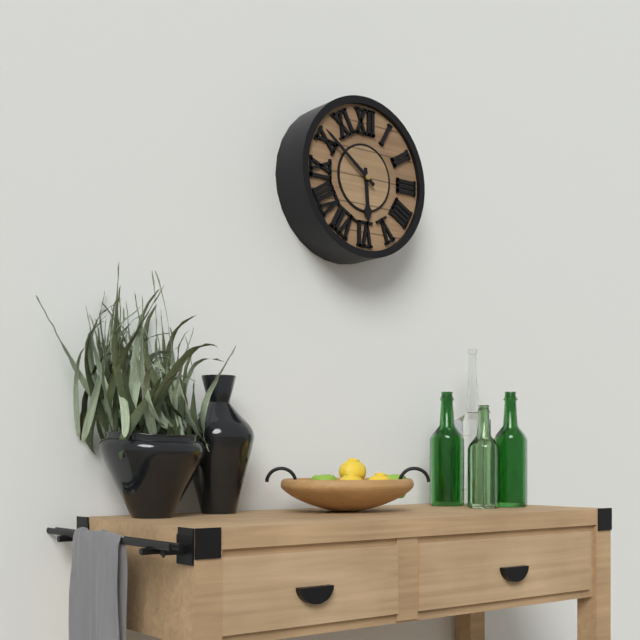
**5:51**
